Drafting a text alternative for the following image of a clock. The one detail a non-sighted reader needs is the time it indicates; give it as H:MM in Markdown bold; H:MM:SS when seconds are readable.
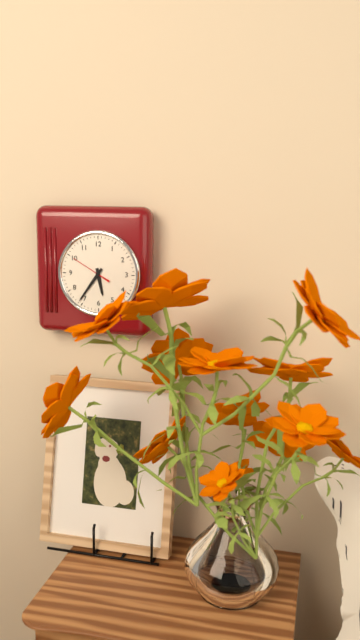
**5:36**
